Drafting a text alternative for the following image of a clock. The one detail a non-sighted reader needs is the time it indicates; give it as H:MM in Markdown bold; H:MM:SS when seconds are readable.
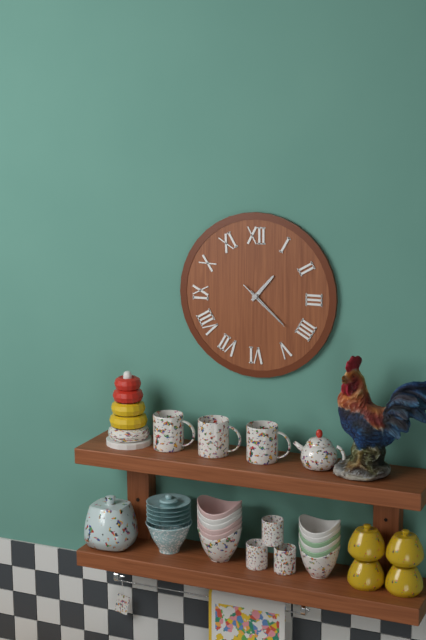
**1:22:22**
